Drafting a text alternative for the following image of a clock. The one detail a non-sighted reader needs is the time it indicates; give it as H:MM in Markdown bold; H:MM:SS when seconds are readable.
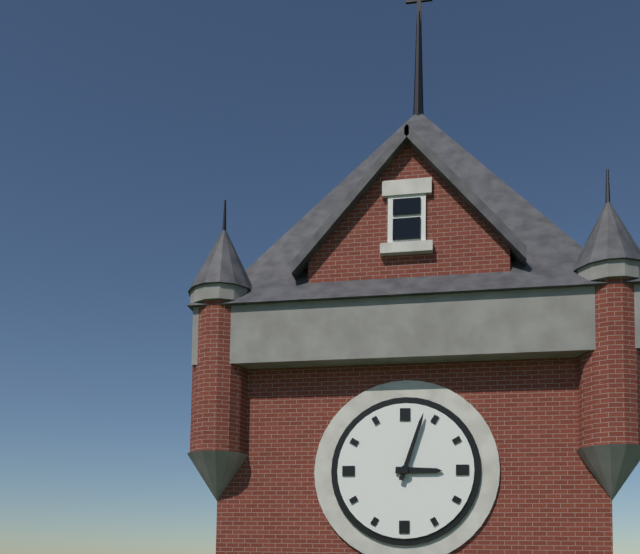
**3:03**
